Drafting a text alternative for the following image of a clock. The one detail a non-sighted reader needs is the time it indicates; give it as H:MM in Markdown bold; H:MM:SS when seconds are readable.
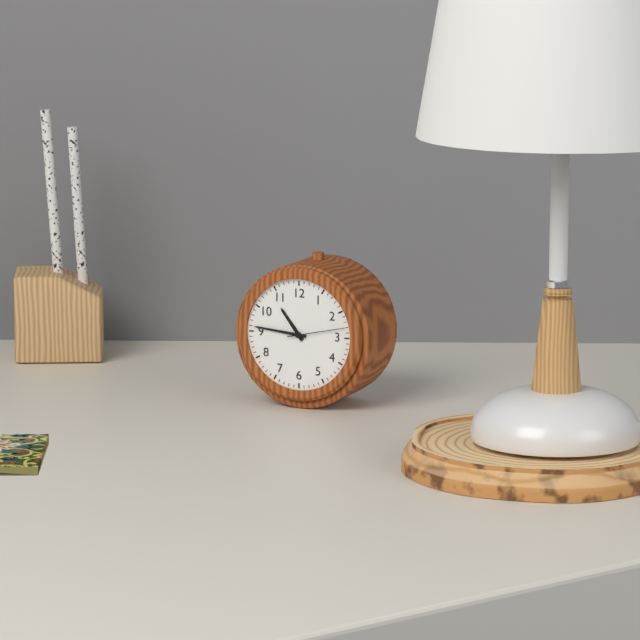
**10:46:13**
